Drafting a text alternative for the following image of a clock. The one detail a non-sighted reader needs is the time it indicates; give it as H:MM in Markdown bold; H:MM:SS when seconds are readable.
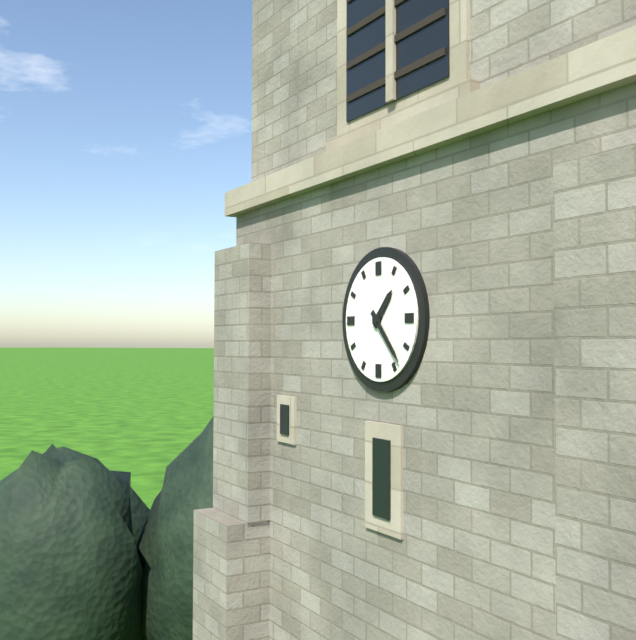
**1:23**
